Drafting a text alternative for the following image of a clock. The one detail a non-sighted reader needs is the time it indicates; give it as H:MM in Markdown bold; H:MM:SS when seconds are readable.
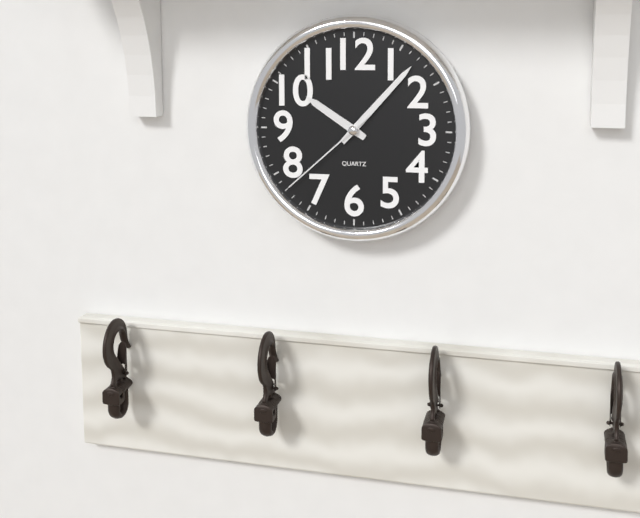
**10:07:38**
